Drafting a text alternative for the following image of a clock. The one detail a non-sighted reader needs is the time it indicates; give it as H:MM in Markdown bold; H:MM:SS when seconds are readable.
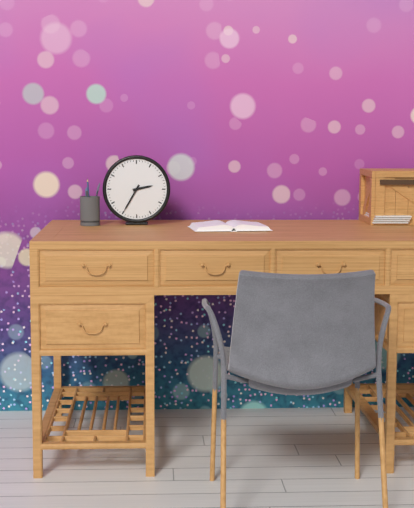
**2:35**
